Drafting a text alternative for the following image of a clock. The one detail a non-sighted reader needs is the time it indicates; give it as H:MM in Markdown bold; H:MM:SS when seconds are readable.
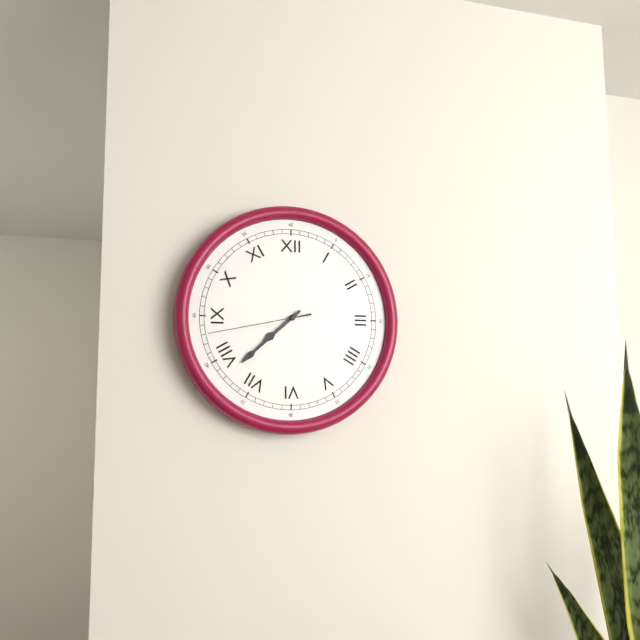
**7:38:43**
